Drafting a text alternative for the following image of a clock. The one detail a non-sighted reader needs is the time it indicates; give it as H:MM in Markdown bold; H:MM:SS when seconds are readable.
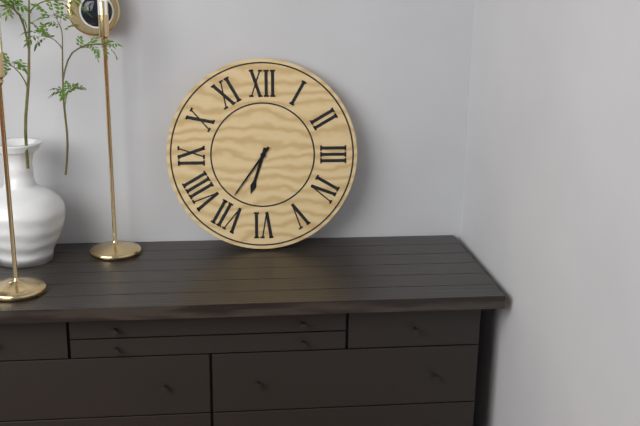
**6:36**
